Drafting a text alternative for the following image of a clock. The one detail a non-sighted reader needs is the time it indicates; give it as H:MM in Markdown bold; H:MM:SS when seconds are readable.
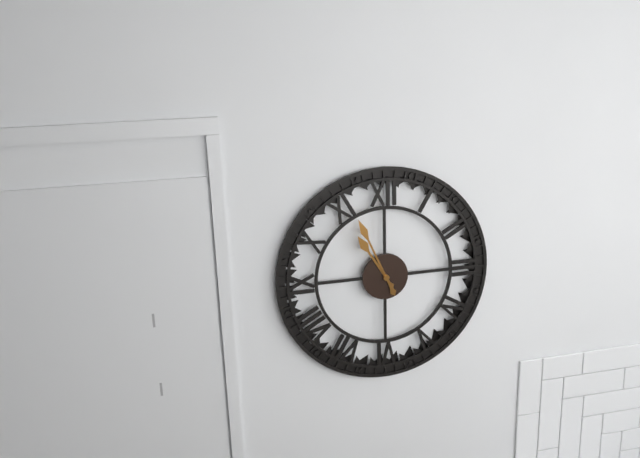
**10:56**
